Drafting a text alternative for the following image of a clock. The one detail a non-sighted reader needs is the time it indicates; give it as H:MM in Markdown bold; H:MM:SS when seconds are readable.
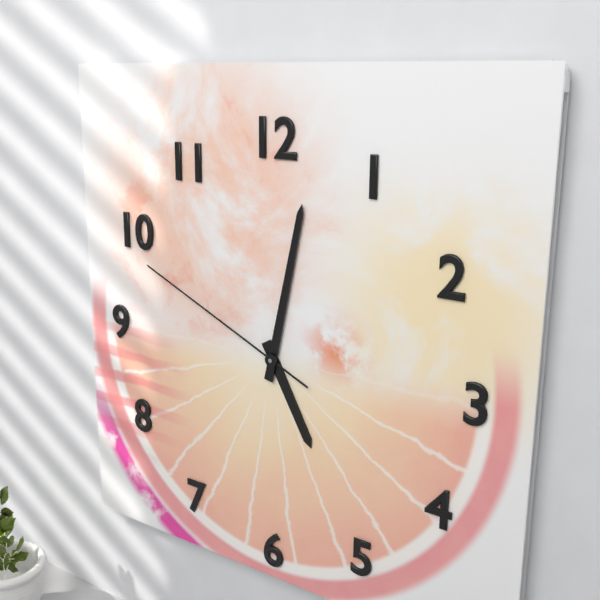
**5:02:49**
